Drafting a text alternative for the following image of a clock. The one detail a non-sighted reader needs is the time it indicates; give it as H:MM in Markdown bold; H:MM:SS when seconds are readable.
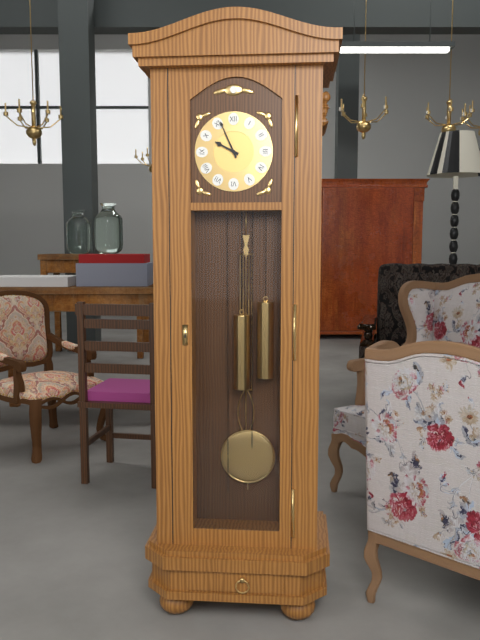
**9:56**
